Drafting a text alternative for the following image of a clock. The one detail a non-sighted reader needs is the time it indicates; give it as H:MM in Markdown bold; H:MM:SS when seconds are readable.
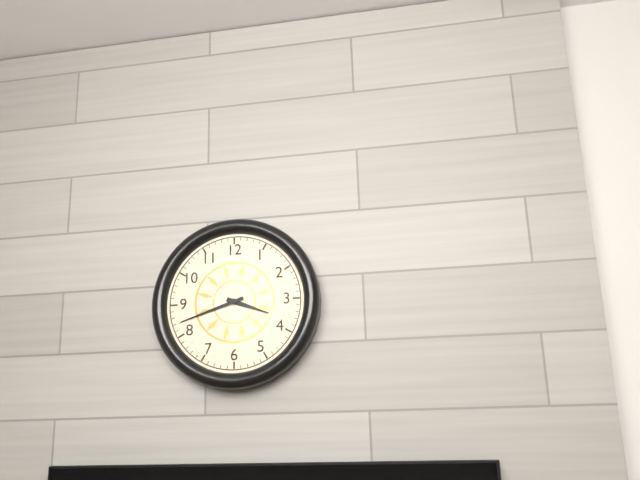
**3:42**
